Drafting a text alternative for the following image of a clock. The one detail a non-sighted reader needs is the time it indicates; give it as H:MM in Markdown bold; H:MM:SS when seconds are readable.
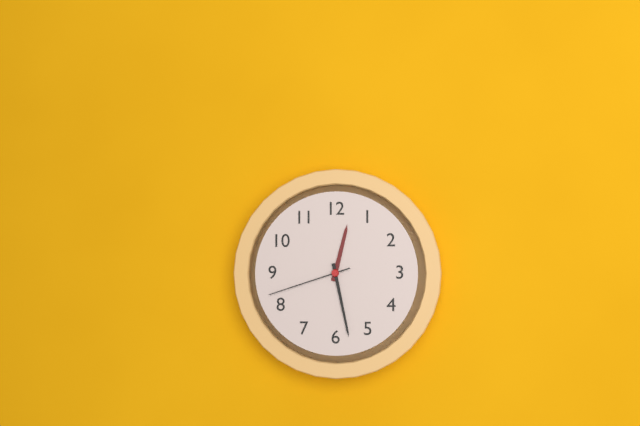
**12:28:42**
